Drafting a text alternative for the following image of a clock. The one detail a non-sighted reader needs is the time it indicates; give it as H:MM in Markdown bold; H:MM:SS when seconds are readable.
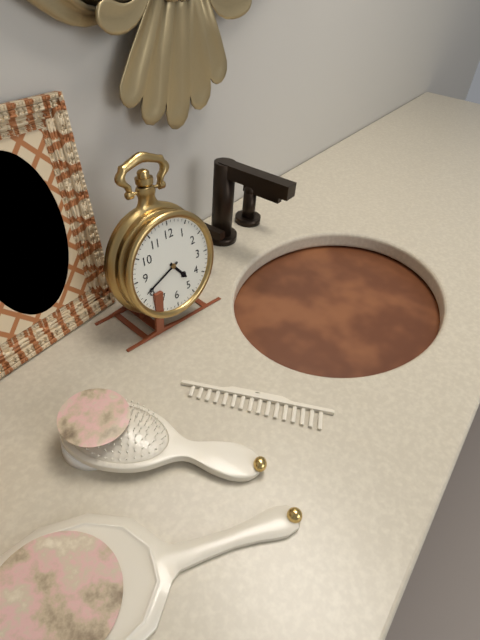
**4:41**
